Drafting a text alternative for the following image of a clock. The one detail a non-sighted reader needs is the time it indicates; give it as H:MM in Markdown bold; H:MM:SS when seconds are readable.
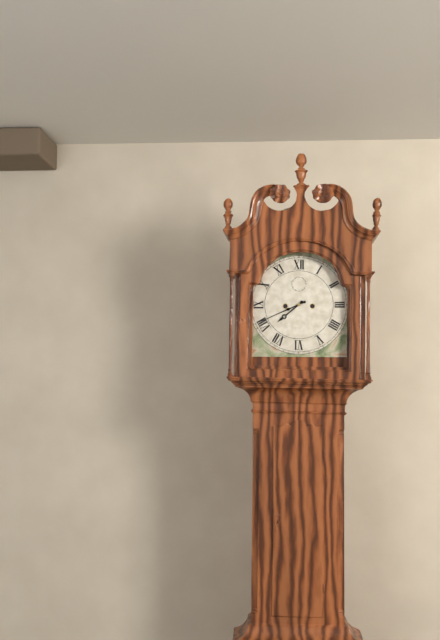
**7:41**
